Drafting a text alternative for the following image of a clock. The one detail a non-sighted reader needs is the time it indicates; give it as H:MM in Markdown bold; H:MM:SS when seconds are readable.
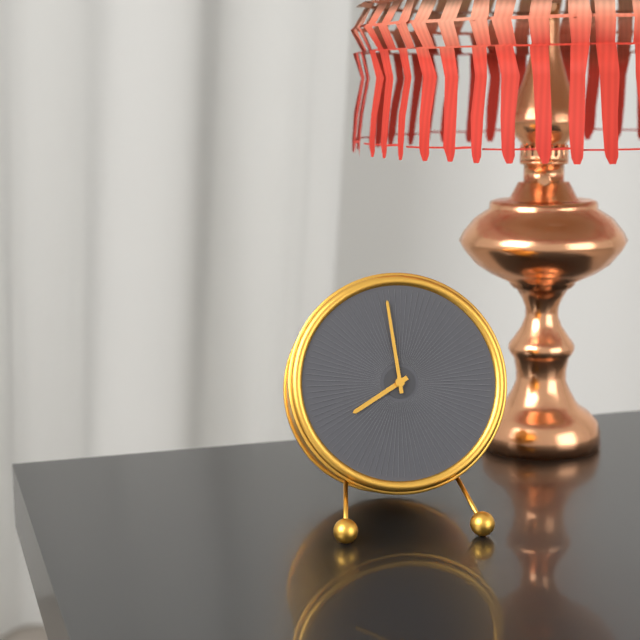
**7:59**
